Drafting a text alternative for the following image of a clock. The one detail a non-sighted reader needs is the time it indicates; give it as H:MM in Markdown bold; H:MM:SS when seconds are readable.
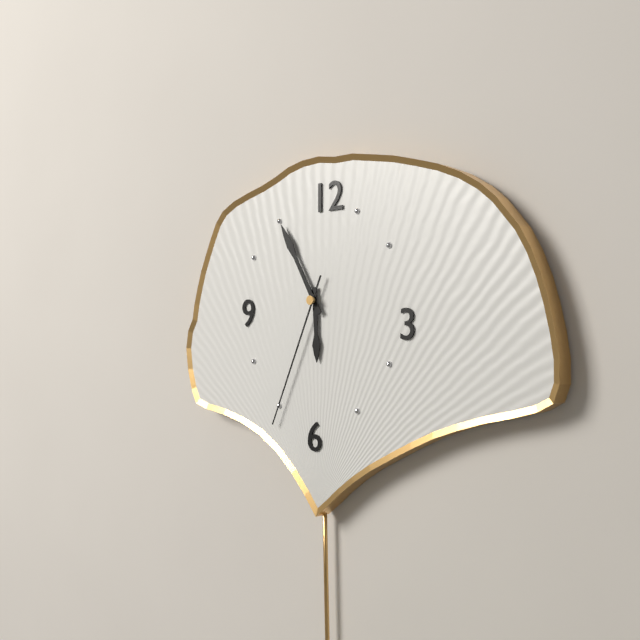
**5:55:34**
